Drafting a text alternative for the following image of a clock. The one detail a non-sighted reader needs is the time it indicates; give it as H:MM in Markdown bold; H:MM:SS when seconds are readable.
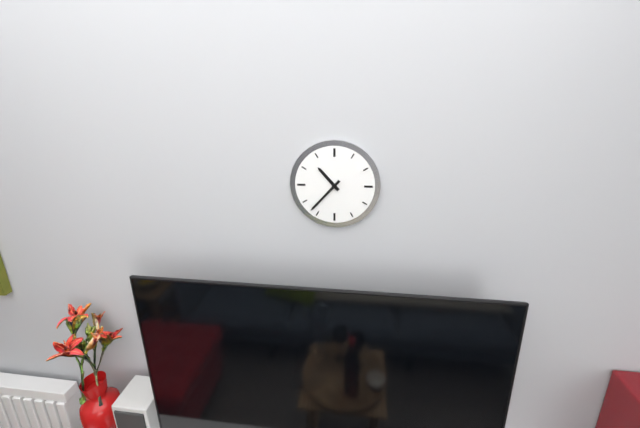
**10:37**
